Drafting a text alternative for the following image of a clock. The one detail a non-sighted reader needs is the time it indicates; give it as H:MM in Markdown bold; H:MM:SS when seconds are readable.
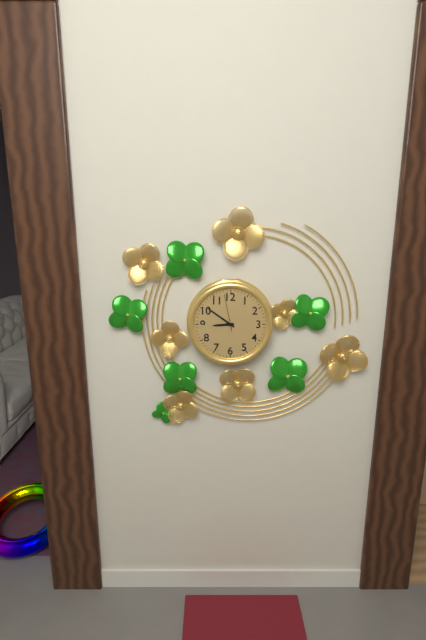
**8:51**
